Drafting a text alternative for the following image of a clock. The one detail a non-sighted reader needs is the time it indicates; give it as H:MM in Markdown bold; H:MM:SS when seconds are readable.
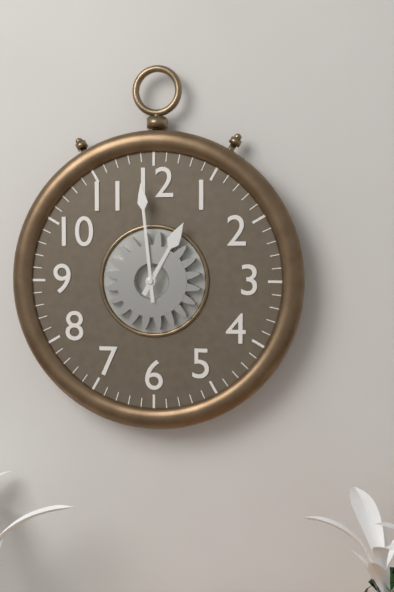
**12:59**
